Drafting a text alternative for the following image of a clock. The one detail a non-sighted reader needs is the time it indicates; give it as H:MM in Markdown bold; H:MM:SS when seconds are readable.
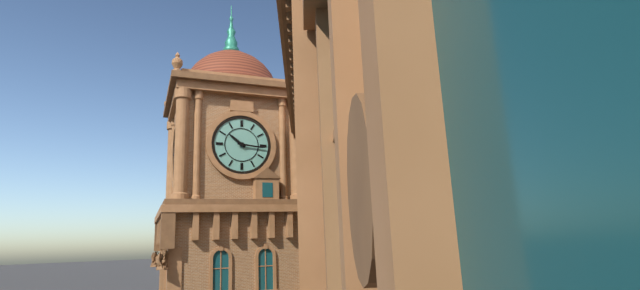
**10:16**
